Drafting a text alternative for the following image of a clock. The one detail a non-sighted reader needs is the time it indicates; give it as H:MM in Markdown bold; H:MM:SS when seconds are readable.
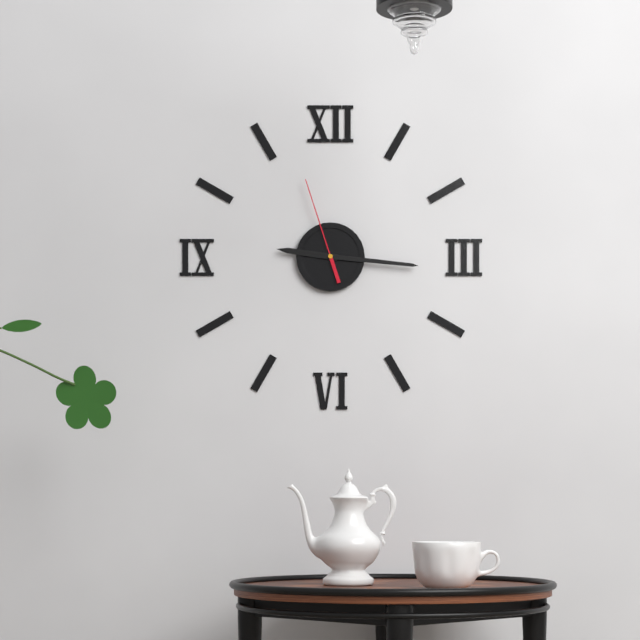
**9:16:57**
